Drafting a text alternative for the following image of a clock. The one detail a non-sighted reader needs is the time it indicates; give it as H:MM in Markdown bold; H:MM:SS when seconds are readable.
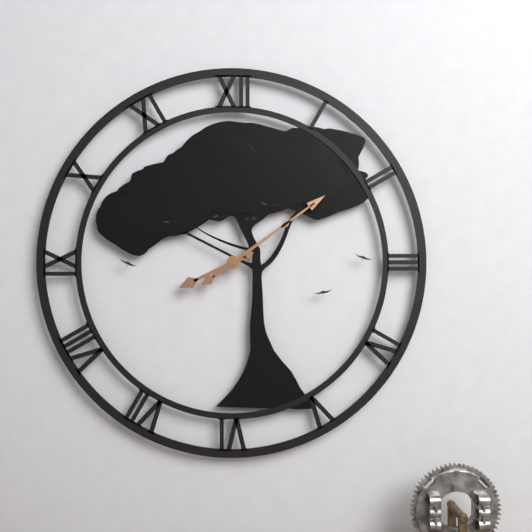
**8:09**
